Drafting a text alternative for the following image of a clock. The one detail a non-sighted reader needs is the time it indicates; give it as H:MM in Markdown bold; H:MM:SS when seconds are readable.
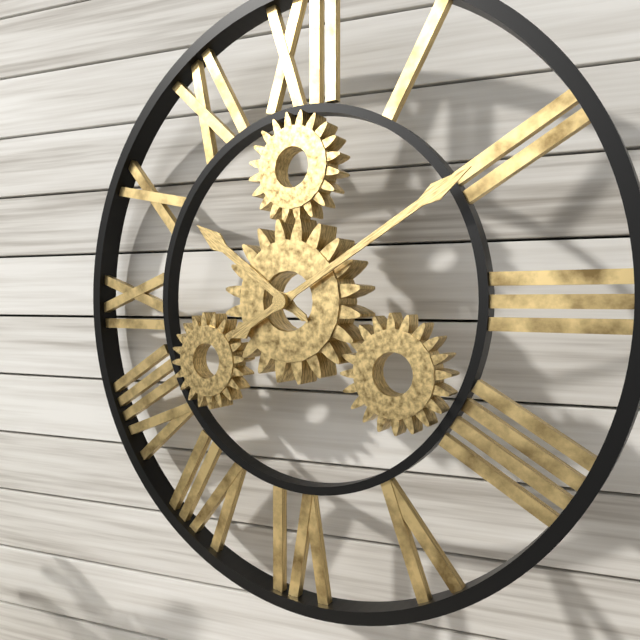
**10:10**
